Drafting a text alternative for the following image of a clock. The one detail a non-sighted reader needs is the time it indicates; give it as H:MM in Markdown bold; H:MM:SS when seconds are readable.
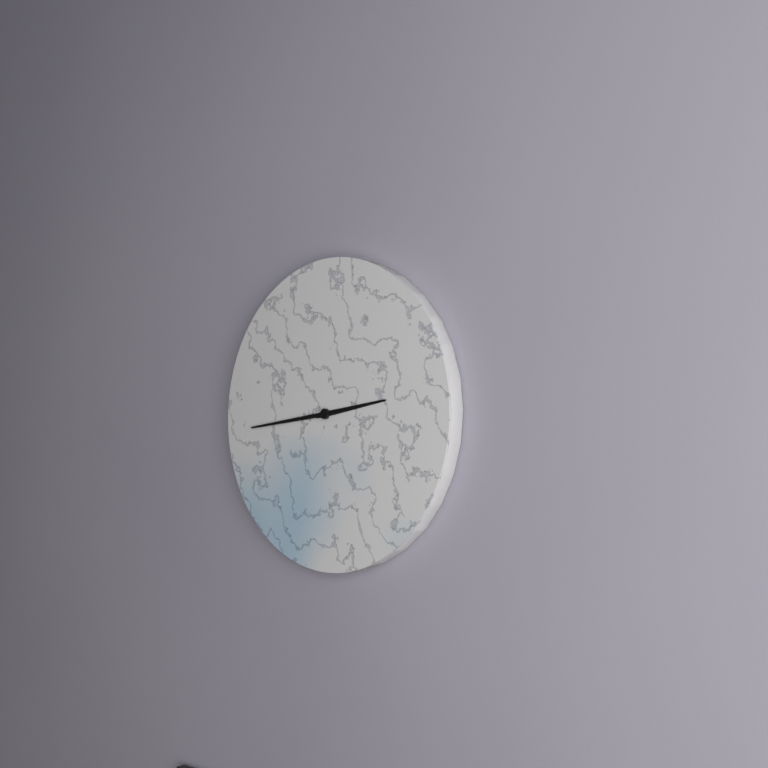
**2:44**
